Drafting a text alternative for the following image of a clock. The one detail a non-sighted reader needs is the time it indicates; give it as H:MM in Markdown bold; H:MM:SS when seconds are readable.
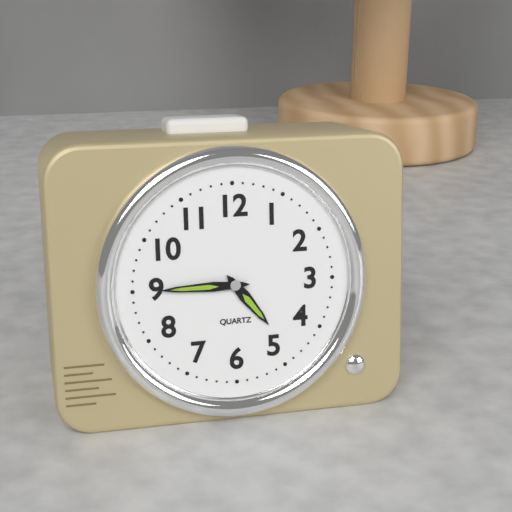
**4:45**
